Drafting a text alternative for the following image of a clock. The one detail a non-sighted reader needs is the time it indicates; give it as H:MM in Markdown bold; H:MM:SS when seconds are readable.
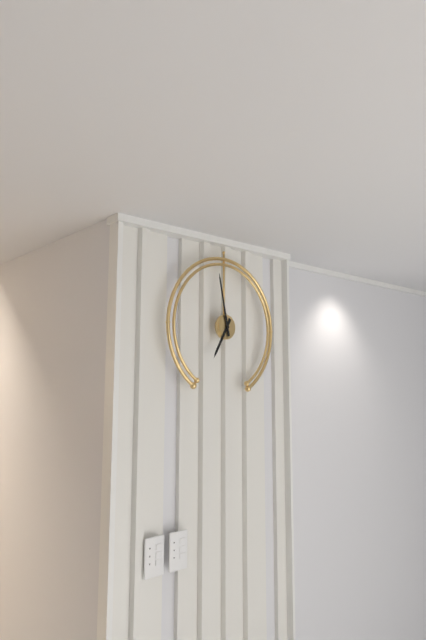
**6:58**
